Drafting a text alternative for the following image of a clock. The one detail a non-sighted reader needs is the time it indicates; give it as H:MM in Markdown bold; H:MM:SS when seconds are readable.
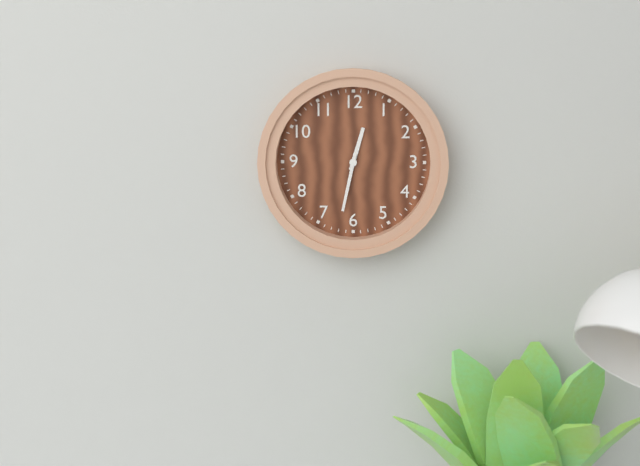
**12:32**
